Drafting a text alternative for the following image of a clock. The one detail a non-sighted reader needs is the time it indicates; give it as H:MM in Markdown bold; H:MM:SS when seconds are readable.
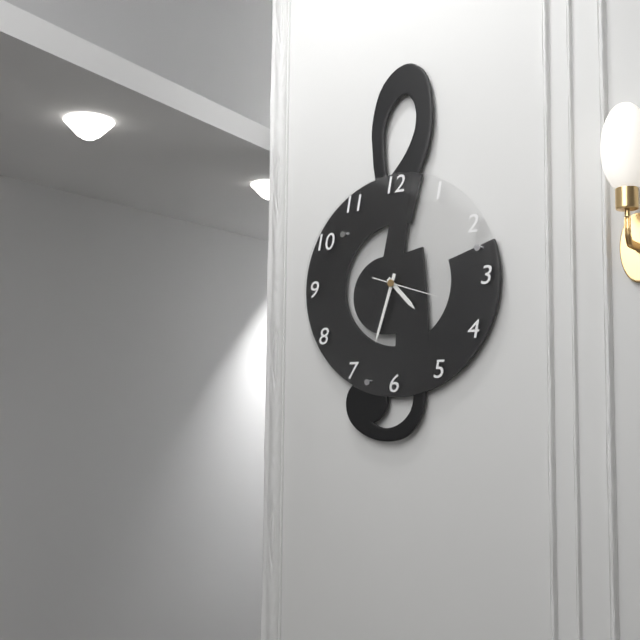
**4:33:18**
